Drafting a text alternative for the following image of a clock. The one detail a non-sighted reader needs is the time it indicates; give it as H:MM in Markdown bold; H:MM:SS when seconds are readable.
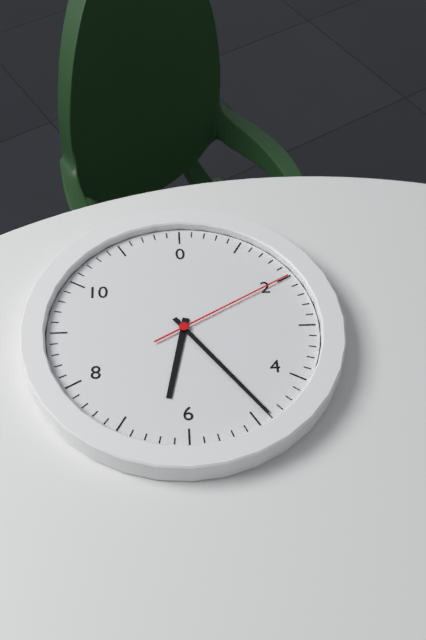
**6:24:10**
